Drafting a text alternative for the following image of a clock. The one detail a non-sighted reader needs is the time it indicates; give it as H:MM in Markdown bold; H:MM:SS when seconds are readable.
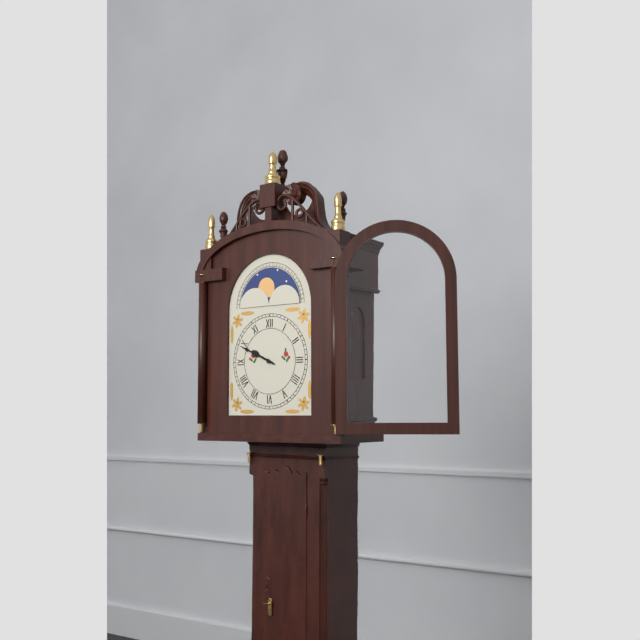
**9:49**
